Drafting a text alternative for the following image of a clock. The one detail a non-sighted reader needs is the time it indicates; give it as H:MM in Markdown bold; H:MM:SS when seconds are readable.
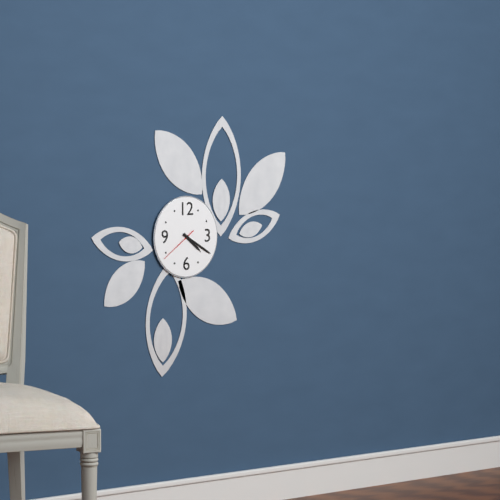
**4:20**
